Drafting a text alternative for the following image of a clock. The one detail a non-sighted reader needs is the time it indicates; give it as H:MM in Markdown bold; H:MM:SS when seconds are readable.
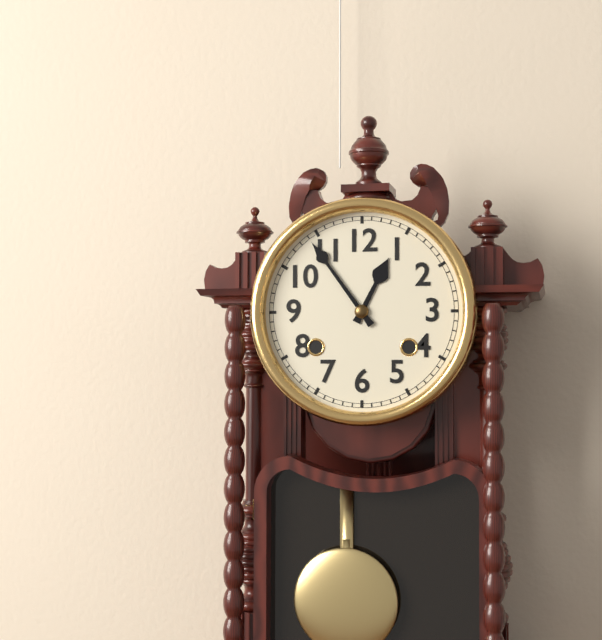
**12:54**
